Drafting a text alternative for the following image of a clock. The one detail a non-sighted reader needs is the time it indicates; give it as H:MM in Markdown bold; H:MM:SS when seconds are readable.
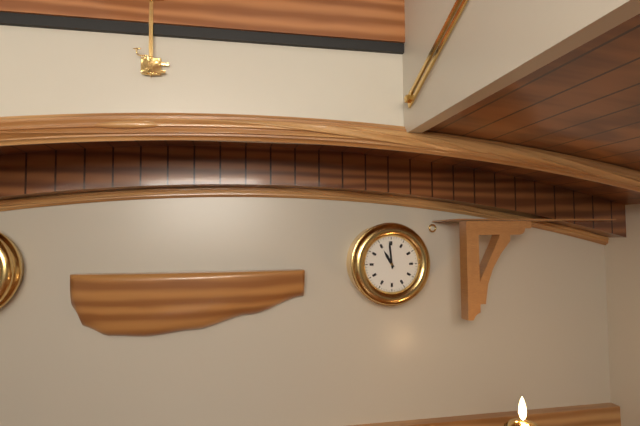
**10:59**
